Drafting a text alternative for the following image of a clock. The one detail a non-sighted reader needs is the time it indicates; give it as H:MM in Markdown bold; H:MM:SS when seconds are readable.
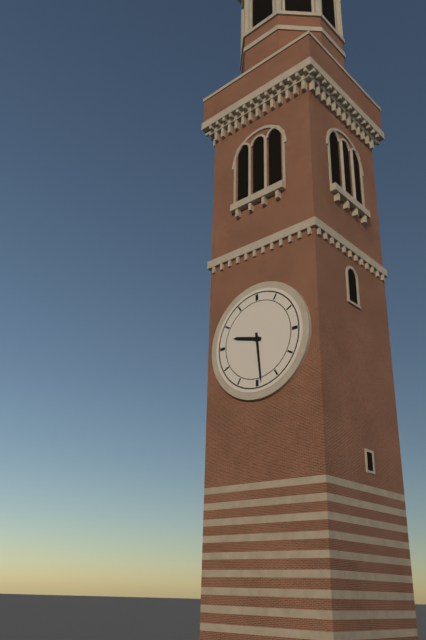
**9:29**
